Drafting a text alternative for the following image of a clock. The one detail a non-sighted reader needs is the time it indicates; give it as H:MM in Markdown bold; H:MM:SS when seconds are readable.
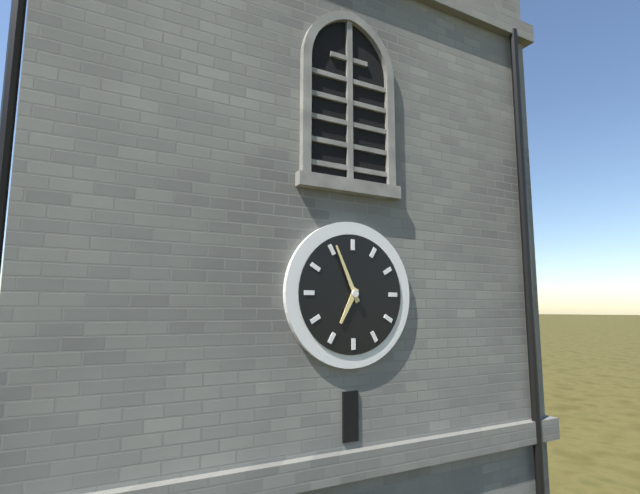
**6:56**
